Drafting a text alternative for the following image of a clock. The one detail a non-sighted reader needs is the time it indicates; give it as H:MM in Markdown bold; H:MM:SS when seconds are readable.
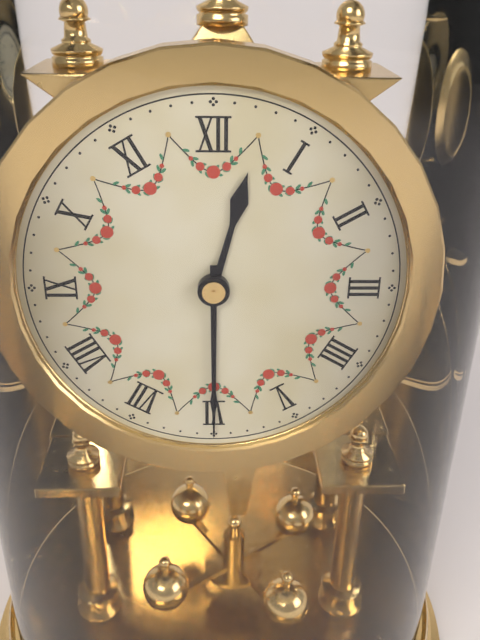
**12:30**
